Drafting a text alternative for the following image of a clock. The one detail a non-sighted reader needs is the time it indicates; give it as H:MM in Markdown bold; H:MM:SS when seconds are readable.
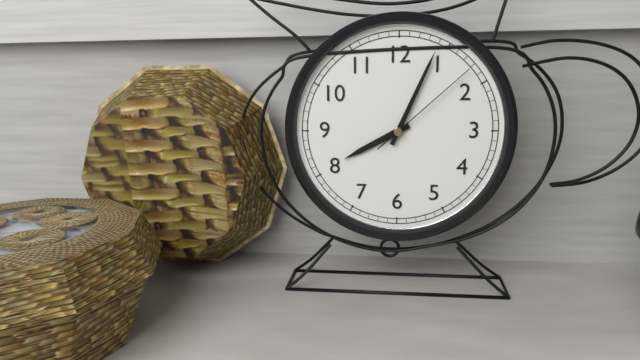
**8:04:08**
